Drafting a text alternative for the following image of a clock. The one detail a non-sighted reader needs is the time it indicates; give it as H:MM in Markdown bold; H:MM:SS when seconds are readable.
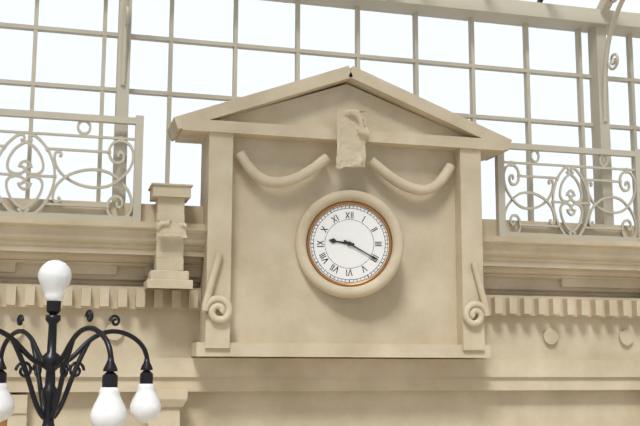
**9:20**
